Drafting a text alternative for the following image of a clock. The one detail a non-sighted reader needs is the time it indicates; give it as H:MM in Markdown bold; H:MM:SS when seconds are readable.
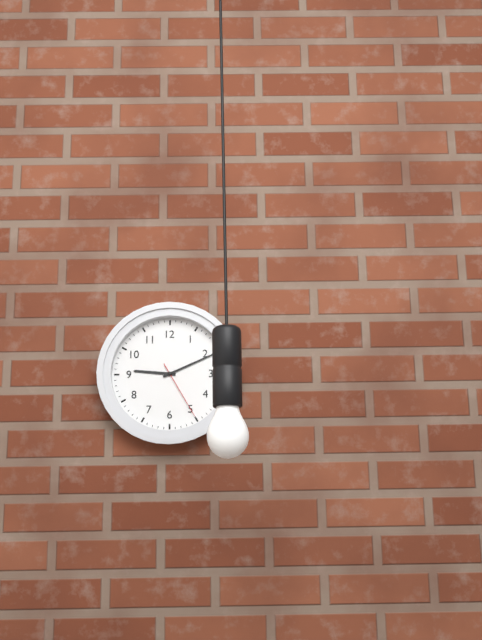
**9:11:25**
